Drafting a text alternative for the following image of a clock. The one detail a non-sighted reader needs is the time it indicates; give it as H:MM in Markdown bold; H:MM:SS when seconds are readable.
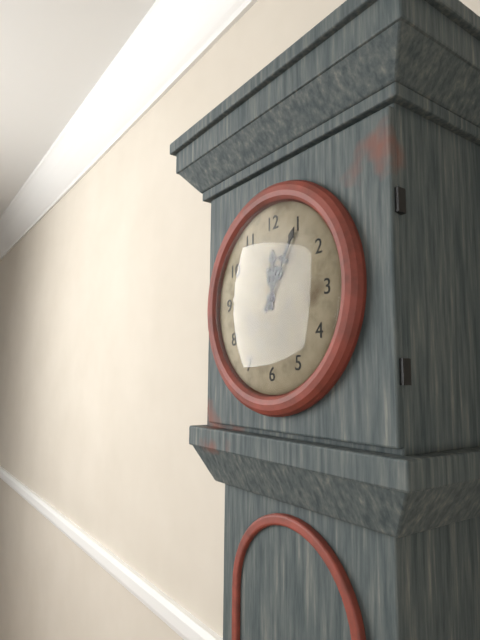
**12:05**
